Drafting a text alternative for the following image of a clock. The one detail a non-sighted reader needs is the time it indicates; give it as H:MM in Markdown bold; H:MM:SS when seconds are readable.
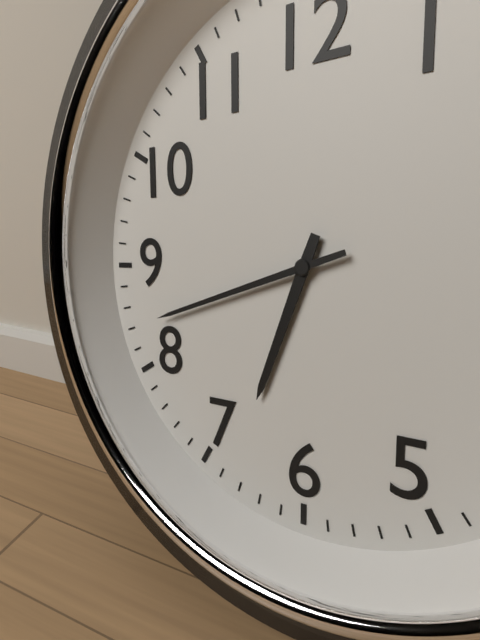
**6:42**
